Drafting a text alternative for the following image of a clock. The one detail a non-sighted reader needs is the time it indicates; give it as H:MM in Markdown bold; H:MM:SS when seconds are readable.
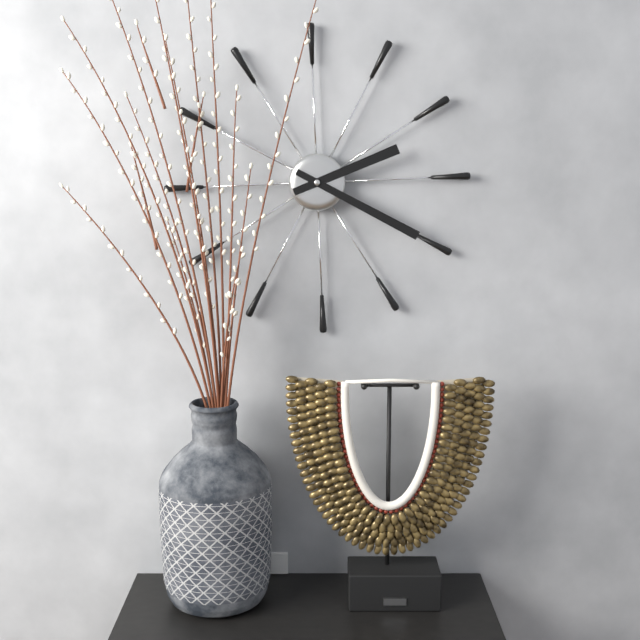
**2:20**
